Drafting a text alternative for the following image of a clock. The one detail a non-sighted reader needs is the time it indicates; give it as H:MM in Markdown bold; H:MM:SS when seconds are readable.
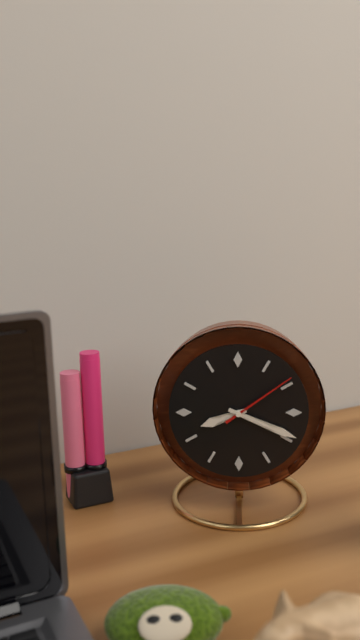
**8:19:09**
